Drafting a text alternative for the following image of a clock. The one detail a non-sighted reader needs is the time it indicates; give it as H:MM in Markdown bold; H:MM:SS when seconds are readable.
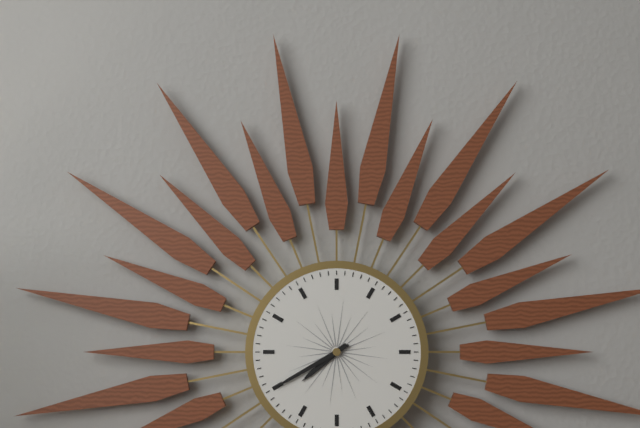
**7:40**
